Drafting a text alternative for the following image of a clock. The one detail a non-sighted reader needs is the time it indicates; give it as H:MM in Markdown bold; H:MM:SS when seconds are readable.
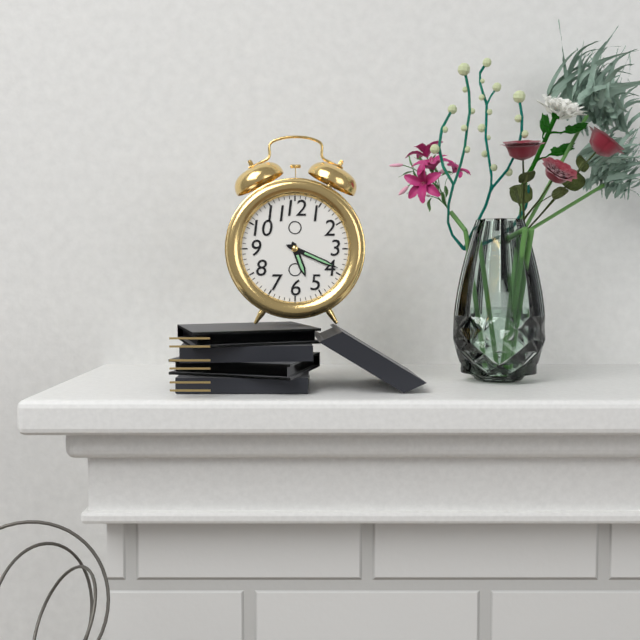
**5:19**
